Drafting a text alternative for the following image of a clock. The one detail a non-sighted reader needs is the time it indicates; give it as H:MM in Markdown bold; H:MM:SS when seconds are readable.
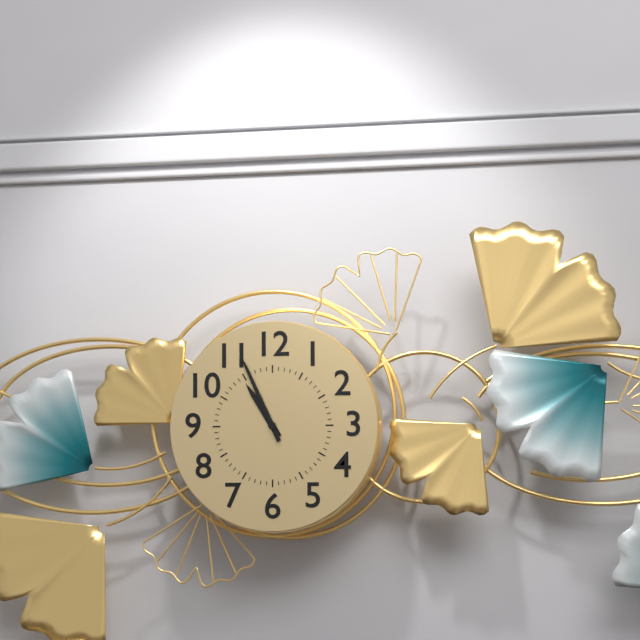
**10:56**
